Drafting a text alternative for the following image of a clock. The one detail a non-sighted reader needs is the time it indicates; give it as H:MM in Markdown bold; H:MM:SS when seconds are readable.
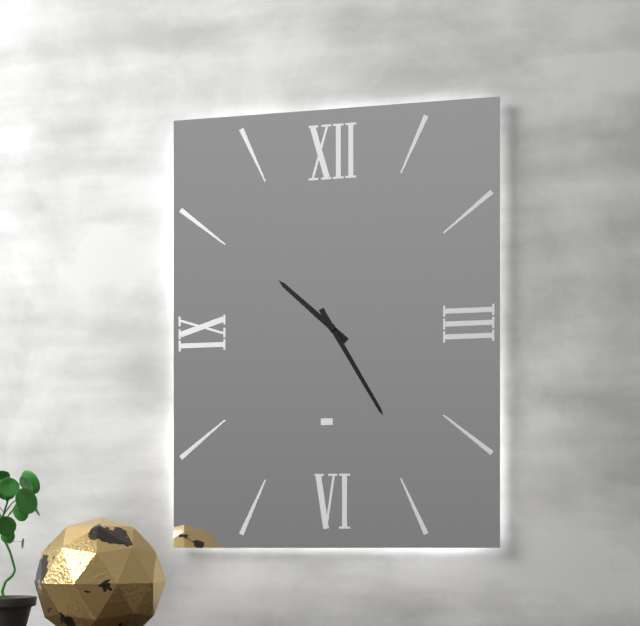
**10:25**
